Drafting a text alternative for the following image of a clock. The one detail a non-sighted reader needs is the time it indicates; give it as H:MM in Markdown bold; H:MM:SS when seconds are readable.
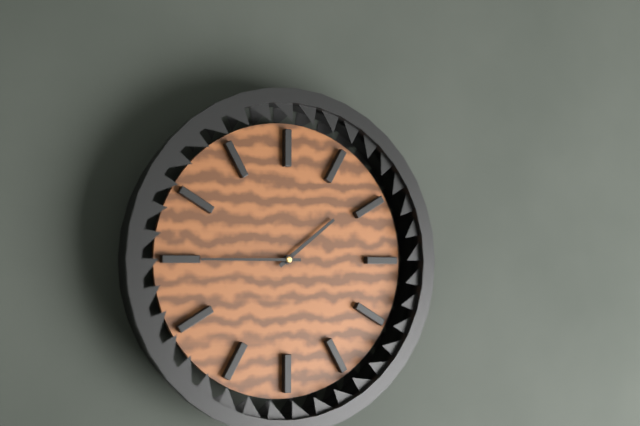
**1:45**
